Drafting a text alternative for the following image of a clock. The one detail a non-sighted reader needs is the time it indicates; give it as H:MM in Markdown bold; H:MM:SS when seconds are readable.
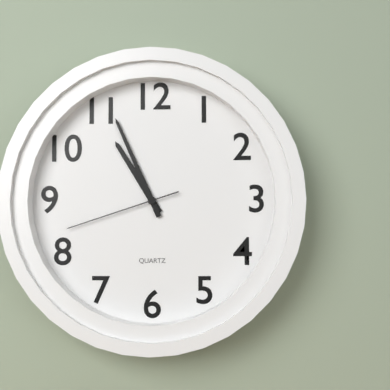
**10:56:42**
